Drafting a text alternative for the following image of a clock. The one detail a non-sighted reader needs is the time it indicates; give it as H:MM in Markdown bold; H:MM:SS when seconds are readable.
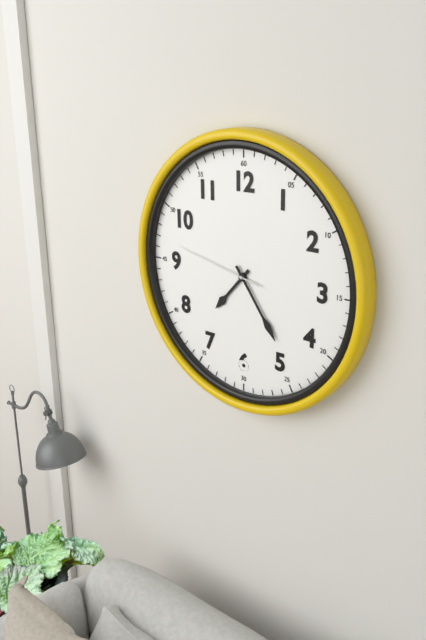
**7:24:47**
